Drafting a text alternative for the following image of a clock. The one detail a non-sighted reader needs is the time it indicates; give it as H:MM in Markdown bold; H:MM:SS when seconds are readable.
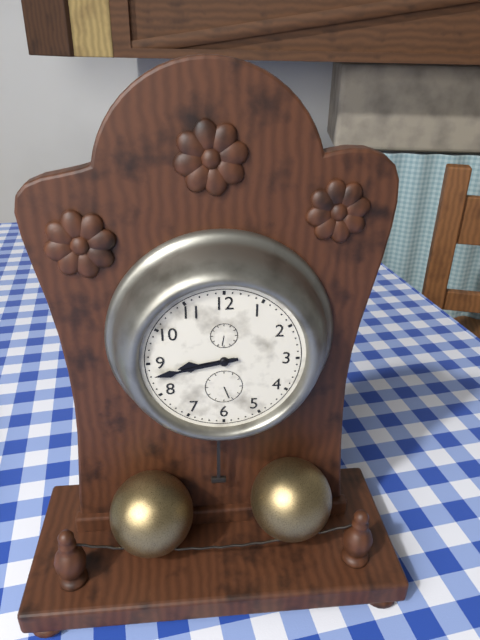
**8:43**
